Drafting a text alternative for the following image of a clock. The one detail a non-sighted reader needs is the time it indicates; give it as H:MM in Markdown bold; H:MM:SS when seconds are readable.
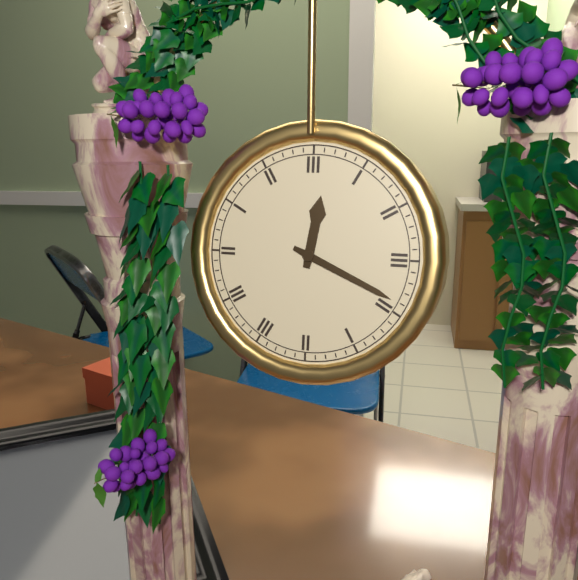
**12:19**
